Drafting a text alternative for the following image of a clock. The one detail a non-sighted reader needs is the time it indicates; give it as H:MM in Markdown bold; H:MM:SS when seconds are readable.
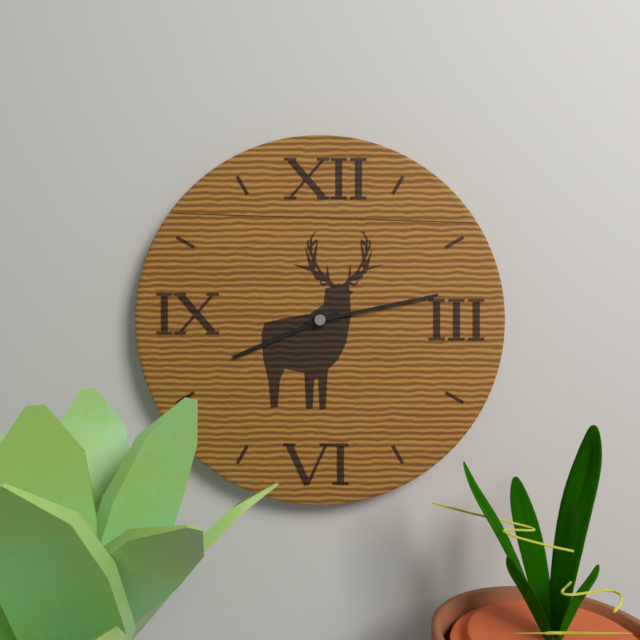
**8:13**
